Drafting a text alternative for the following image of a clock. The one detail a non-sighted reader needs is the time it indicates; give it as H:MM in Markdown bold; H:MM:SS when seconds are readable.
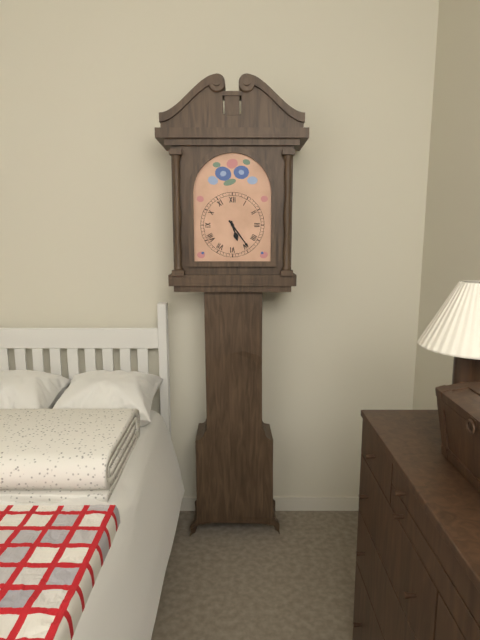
**5:24**
